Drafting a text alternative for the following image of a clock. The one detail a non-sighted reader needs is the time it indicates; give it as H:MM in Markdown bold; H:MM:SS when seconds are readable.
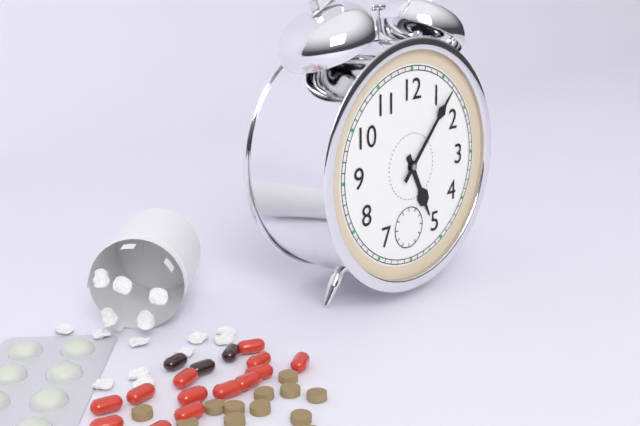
**5:07**
